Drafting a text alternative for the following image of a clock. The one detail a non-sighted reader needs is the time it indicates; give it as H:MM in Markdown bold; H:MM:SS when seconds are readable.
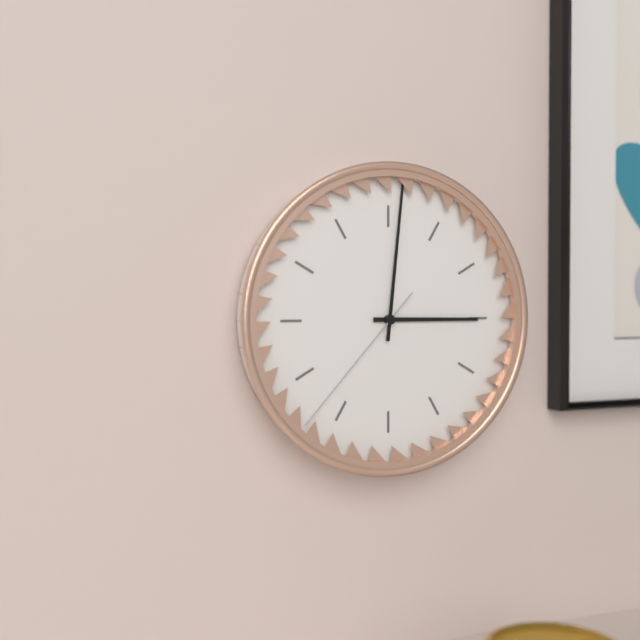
**3:01:37**
